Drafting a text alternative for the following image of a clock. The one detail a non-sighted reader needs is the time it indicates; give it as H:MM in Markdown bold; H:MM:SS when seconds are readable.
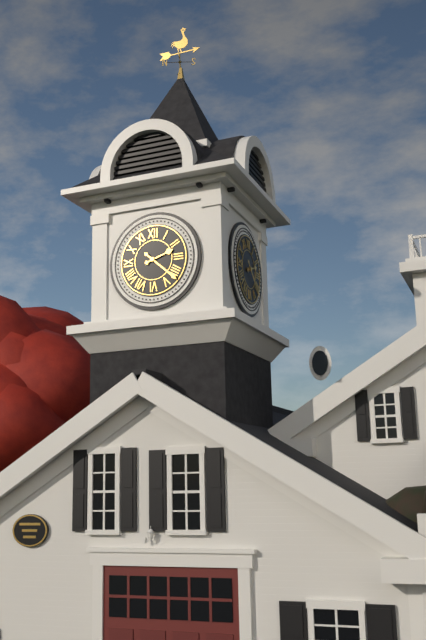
**2:22**
